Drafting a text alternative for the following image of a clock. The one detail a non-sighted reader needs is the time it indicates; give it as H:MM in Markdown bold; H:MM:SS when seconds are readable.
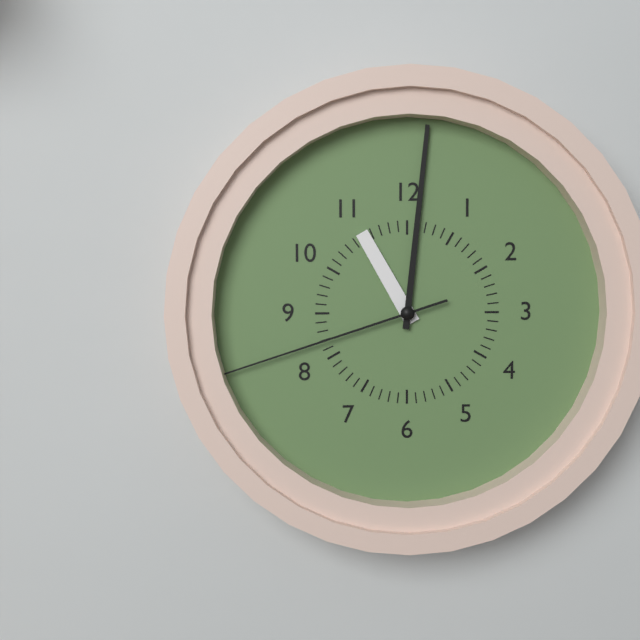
**11:01:42**
